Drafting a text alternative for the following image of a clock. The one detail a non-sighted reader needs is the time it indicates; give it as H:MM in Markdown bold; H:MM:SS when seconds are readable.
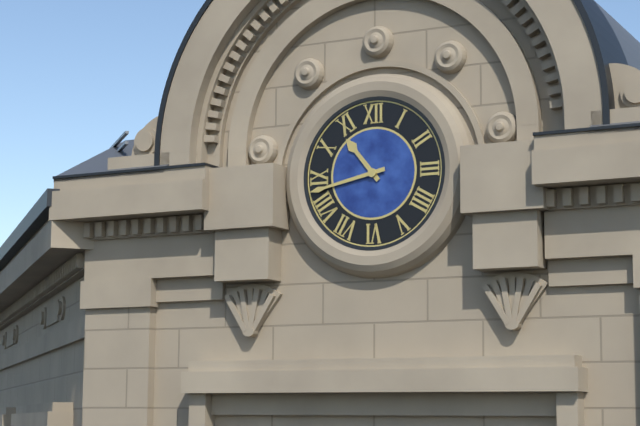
**10:43**
